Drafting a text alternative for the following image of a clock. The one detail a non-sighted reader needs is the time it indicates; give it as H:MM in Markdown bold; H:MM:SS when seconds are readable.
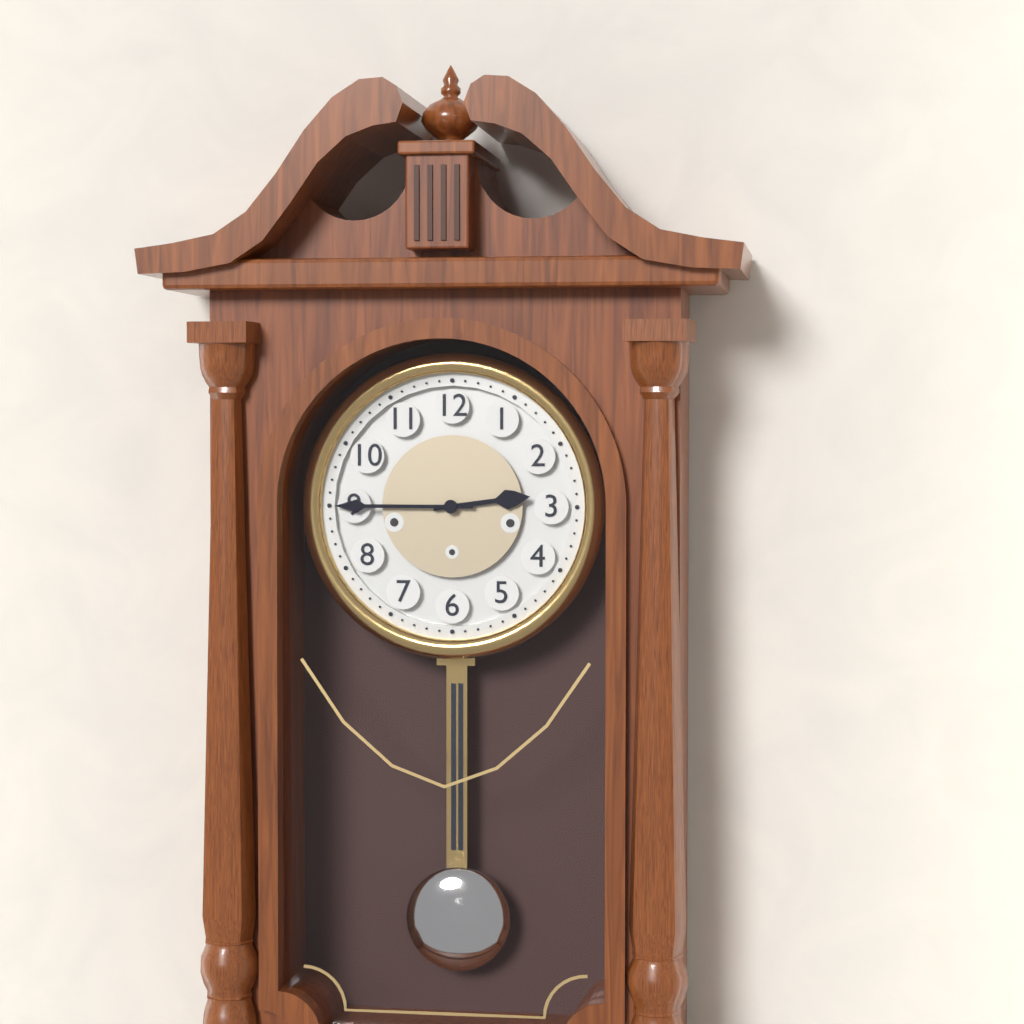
**2:45**
